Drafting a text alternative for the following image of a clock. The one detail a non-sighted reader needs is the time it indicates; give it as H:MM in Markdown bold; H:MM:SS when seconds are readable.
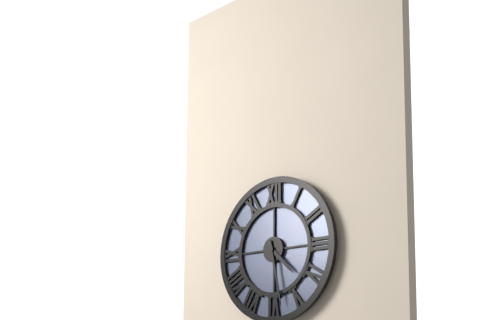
**4:28**
